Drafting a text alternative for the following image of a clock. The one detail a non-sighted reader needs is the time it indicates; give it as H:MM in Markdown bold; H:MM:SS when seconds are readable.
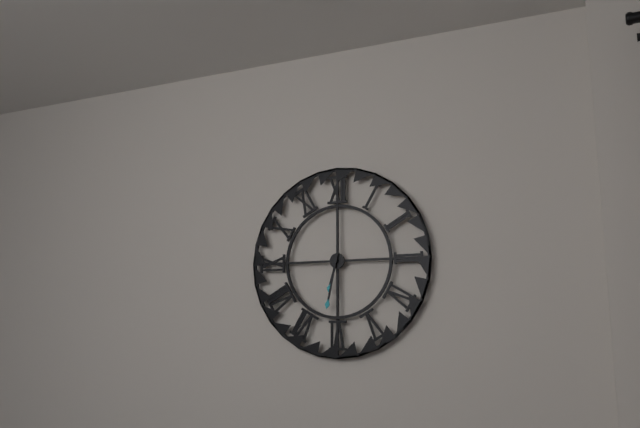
**6:32**
